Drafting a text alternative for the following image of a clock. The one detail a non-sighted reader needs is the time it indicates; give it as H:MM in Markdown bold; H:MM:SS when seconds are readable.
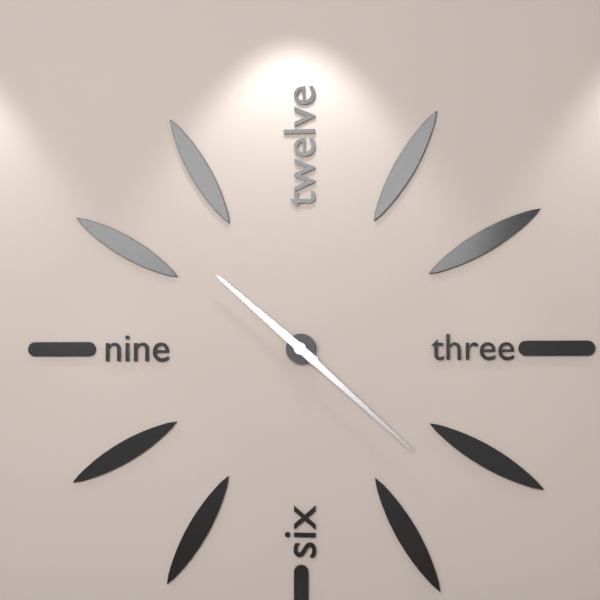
**10:22**
